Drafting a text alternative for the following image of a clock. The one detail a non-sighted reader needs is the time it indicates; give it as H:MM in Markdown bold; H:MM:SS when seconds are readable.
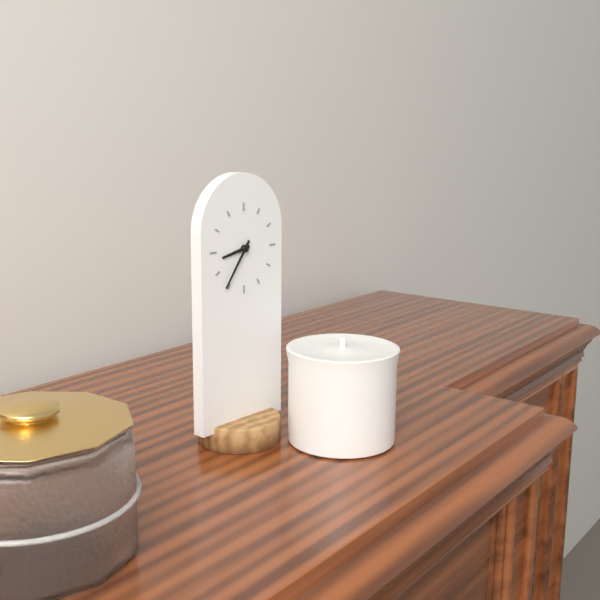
**8:36**
